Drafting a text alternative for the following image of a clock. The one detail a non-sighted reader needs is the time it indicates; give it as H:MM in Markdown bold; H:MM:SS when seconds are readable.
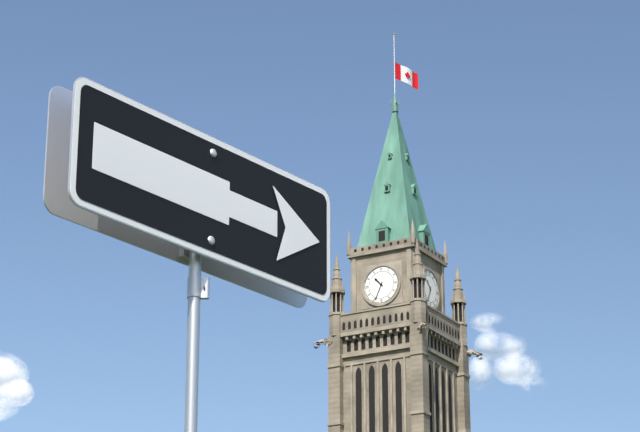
**10:34**
